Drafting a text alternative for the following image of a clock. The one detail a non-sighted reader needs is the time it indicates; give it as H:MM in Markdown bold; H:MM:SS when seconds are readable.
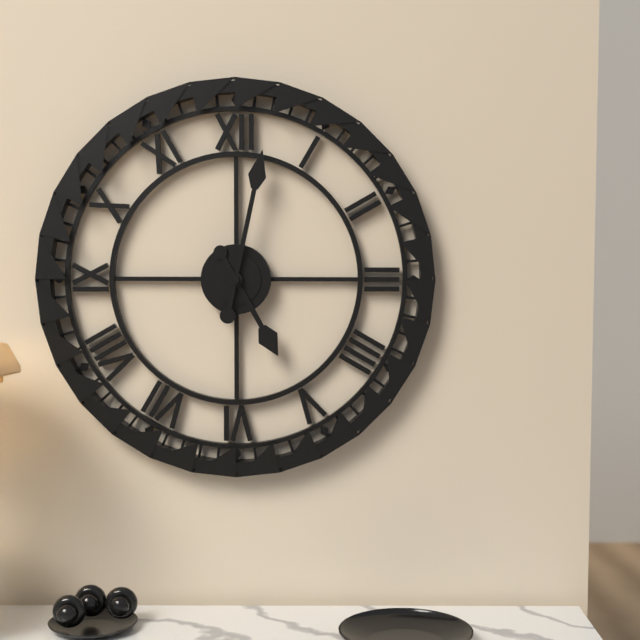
**5:02**
